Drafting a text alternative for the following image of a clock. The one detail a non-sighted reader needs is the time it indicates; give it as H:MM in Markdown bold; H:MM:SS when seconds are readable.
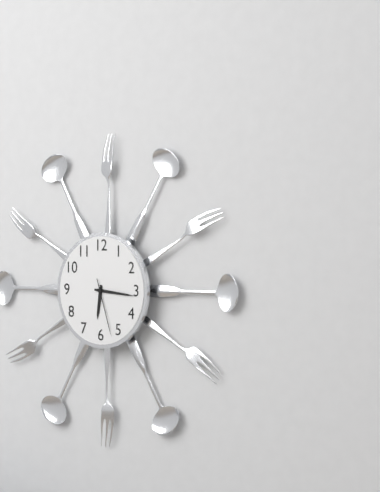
**6:16:27**
